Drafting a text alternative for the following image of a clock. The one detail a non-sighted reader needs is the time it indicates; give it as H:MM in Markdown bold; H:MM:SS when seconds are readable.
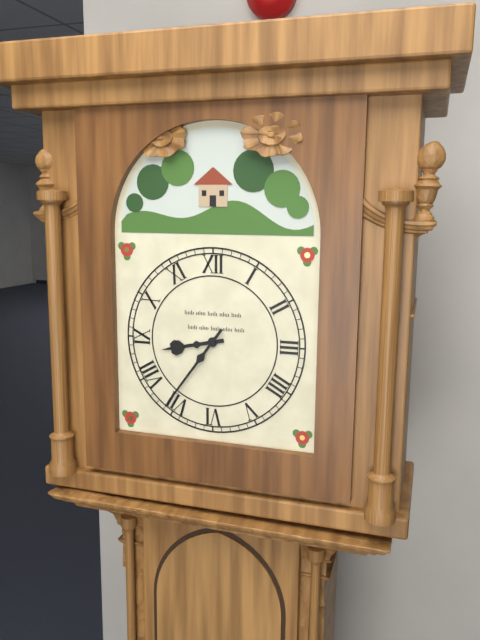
**8:36**
